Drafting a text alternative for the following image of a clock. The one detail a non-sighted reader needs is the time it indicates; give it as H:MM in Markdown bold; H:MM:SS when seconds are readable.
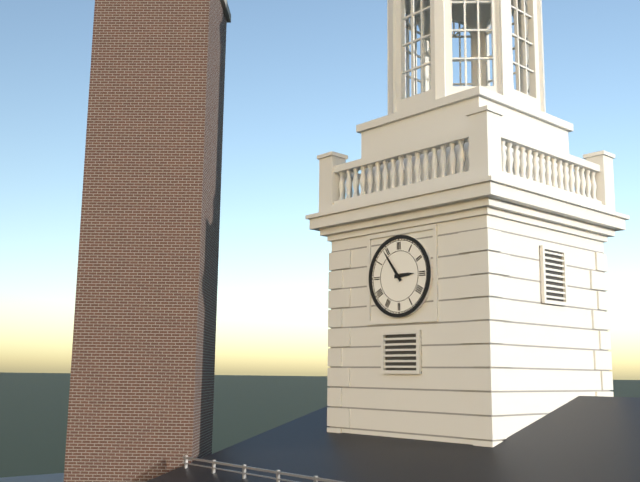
**2:54**
